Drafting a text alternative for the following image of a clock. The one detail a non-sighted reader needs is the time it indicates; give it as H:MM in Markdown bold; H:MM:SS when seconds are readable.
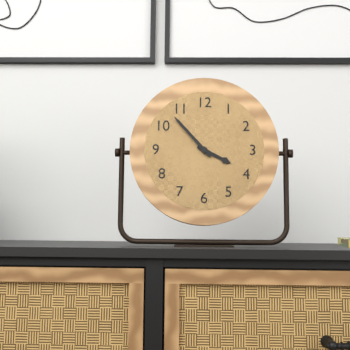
**3:53**
